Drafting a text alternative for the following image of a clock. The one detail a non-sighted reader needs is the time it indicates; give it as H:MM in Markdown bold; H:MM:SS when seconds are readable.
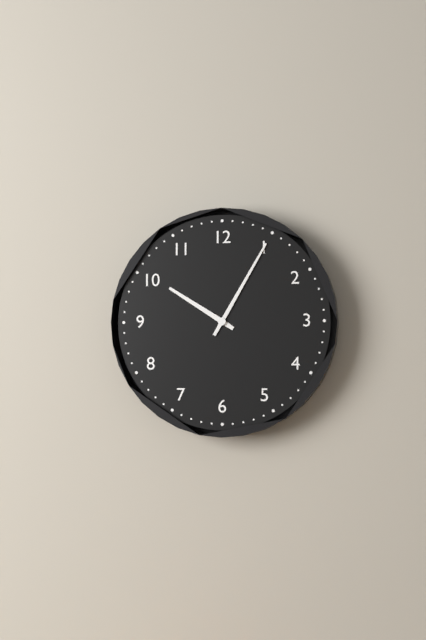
**10:05**
